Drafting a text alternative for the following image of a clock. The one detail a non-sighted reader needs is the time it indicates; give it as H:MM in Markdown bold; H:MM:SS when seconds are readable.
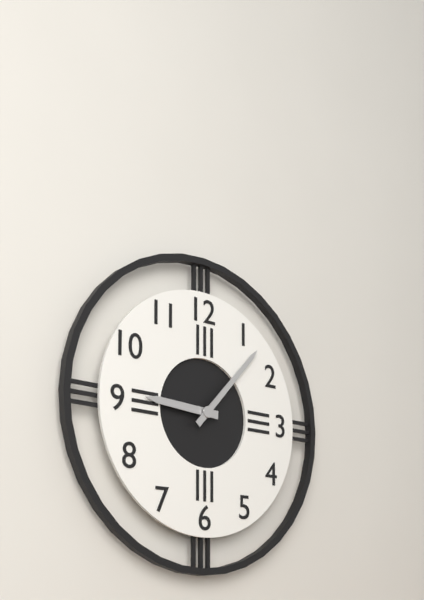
**9:07**
